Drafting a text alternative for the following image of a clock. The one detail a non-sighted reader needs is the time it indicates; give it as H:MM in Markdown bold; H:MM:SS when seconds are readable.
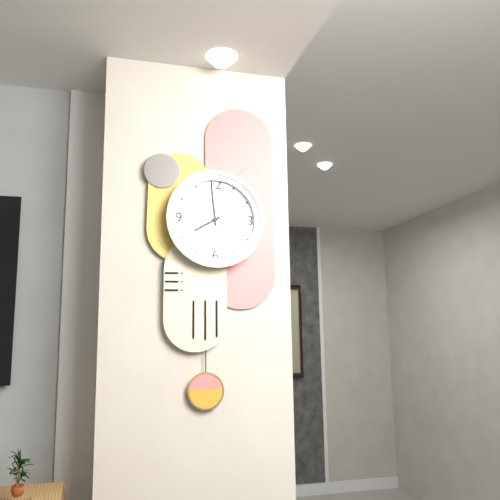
**7:59**
